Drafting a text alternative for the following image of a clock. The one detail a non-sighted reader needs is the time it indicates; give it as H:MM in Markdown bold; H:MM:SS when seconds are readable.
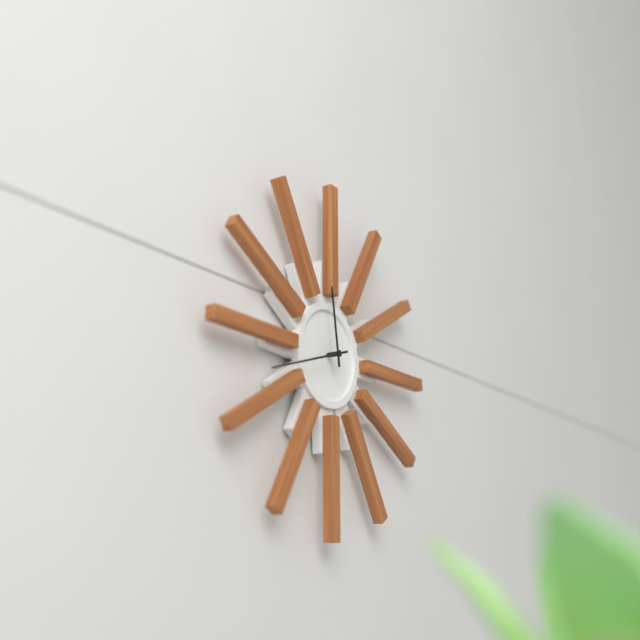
**11:42**
